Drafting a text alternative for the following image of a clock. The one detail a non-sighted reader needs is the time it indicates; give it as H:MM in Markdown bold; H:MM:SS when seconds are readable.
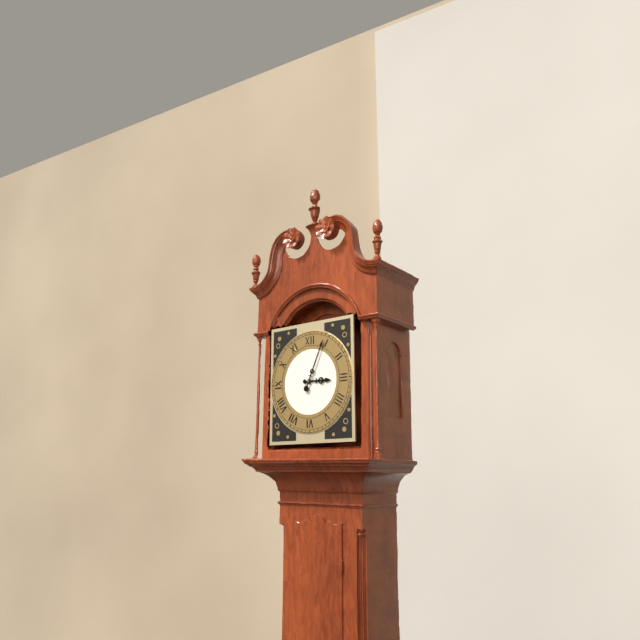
**3:04**
